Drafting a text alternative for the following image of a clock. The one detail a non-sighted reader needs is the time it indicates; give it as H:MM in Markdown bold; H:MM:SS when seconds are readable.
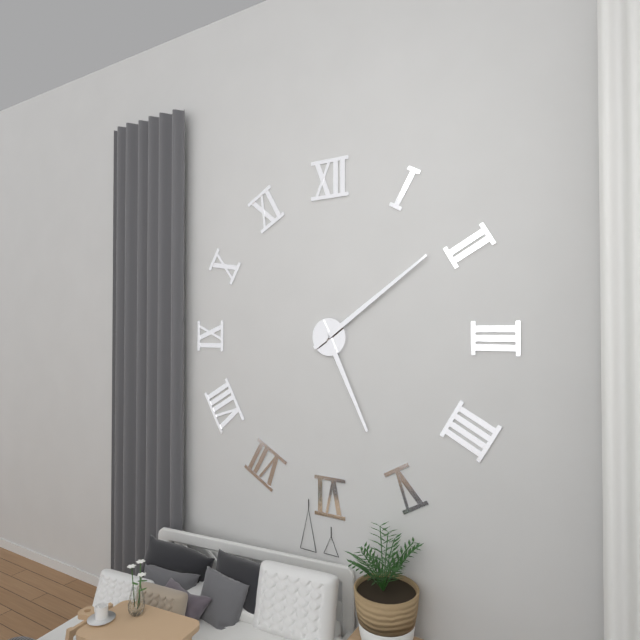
**5:09**
